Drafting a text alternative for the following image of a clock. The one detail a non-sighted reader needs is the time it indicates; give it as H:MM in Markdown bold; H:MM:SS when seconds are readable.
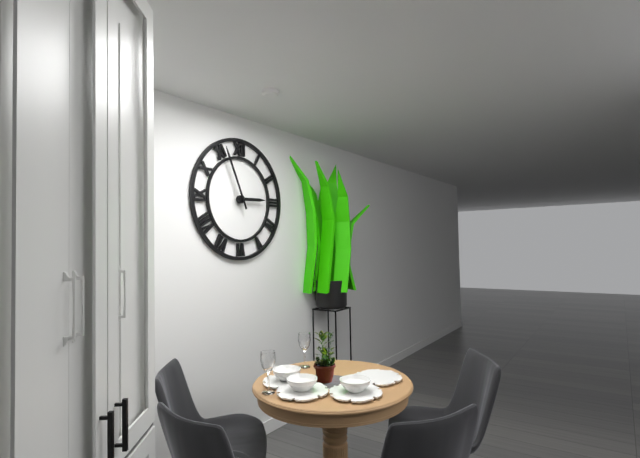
**2:56**
